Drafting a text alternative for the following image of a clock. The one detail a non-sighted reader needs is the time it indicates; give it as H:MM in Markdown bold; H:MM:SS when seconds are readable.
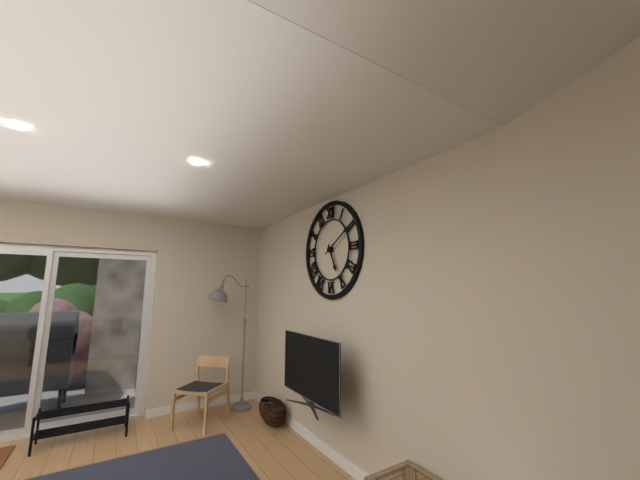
**5:10**
